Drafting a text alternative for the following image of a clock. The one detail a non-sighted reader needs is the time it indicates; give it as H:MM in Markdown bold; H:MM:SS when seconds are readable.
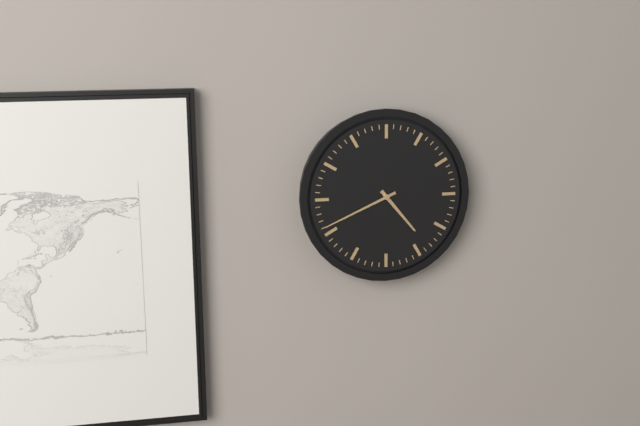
**4:41**
